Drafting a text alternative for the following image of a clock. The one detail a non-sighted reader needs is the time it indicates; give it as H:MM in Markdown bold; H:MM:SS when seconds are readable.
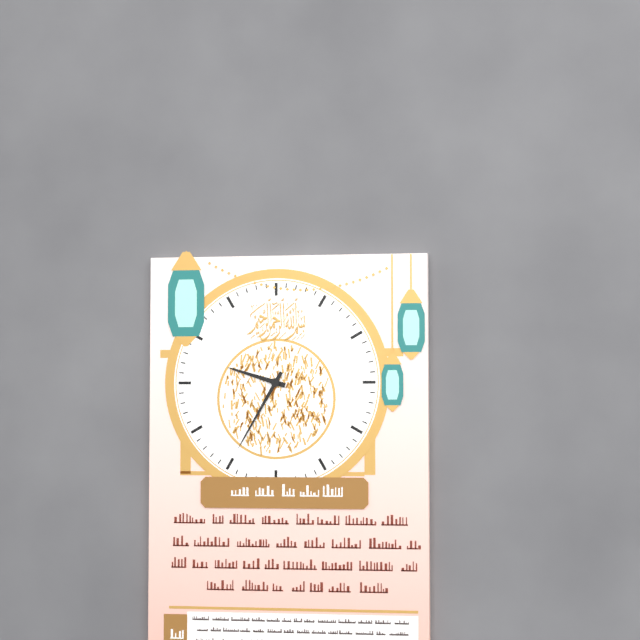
**9:35**
